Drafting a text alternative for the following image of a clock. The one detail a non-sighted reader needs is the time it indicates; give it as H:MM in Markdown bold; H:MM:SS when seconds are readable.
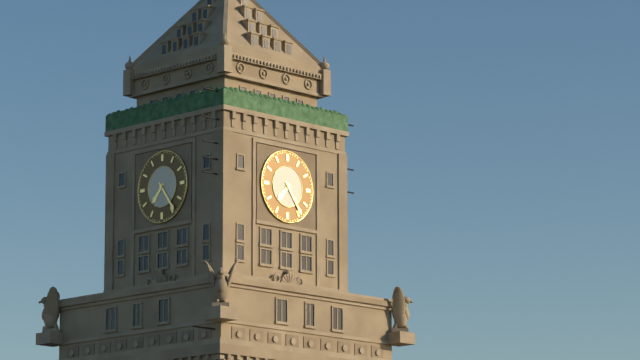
**7:24**
